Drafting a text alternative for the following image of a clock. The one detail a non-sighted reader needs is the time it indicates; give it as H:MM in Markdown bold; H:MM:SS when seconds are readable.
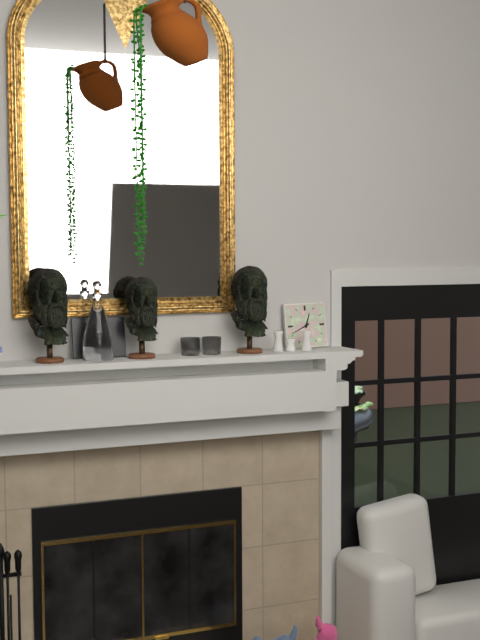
**12:41**
